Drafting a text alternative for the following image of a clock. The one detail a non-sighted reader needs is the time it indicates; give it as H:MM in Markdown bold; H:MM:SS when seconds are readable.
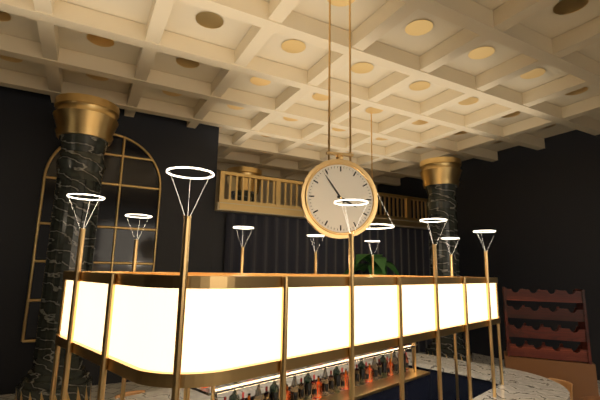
**3:54**
